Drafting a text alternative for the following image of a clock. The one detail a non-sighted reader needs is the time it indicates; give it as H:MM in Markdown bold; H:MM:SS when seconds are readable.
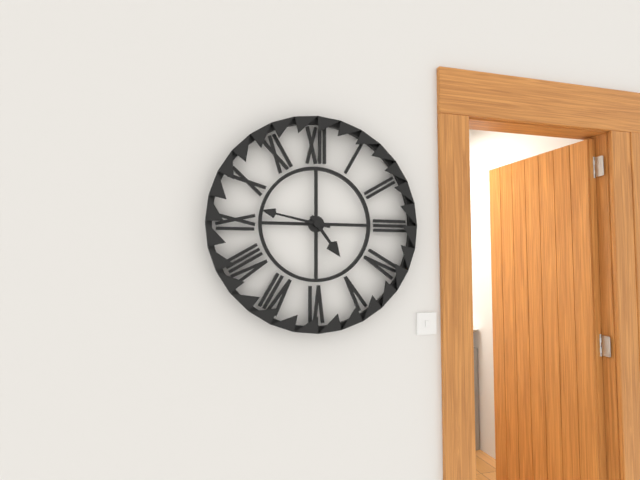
**4:47**
